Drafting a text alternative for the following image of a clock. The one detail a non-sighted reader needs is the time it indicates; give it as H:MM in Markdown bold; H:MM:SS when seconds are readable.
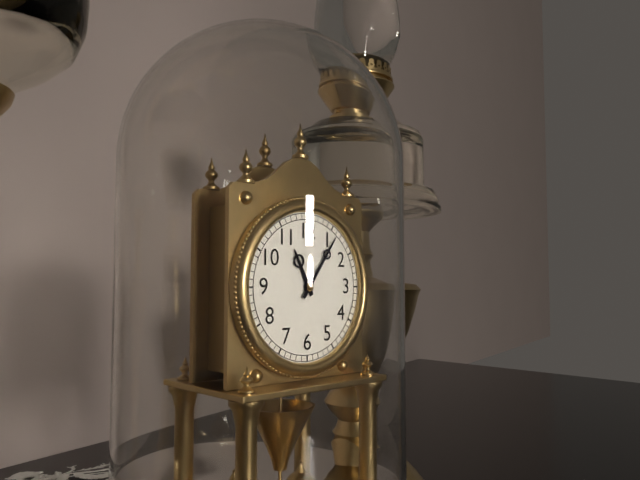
**11:06**
